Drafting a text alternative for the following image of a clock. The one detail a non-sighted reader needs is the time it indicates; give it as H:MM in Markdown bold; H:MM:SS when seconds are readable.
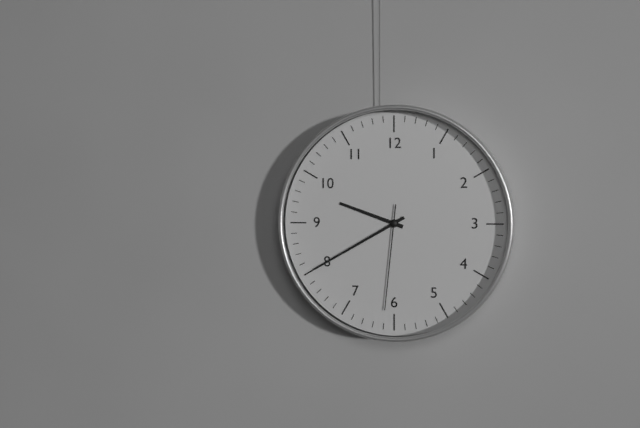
**9:40:31**
